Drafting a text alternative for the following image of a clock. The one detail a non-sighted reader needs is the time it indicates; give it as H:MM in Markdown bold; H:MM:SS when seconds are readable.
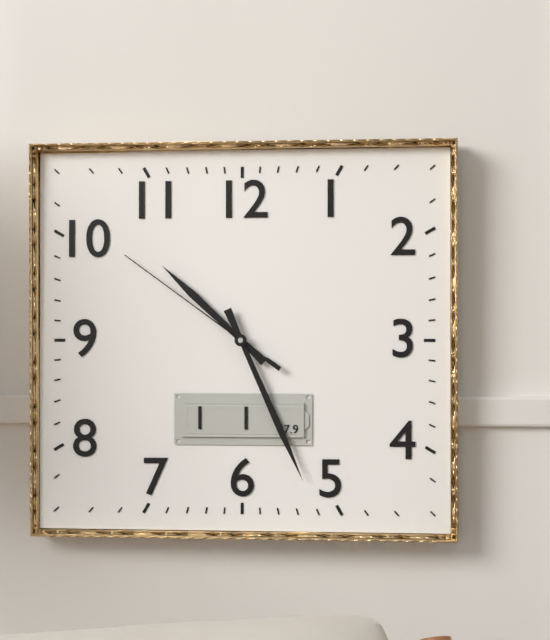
**10:26:51**
